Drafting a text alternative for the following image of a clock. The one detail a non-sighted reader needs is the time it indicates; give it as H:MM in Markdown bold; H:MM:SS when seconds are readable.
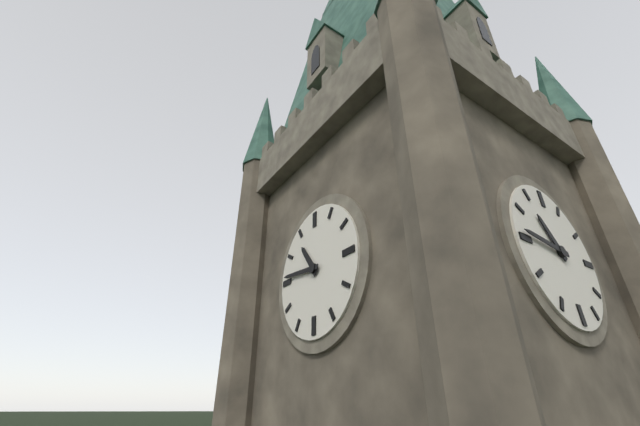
**10:46**
